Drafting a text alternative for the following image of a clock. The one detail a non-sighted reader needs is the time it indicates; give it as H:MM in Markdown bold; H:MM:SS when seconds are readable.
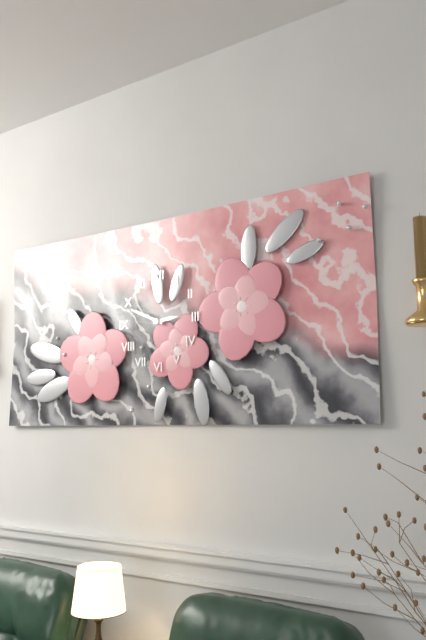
**2:49**
